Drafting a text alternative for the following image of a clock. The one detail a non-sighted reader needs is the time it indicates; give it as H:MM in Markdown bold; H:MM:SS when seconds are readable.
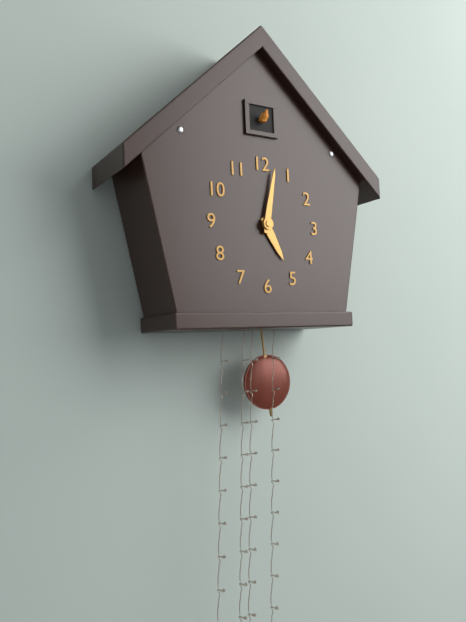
**5:02**
